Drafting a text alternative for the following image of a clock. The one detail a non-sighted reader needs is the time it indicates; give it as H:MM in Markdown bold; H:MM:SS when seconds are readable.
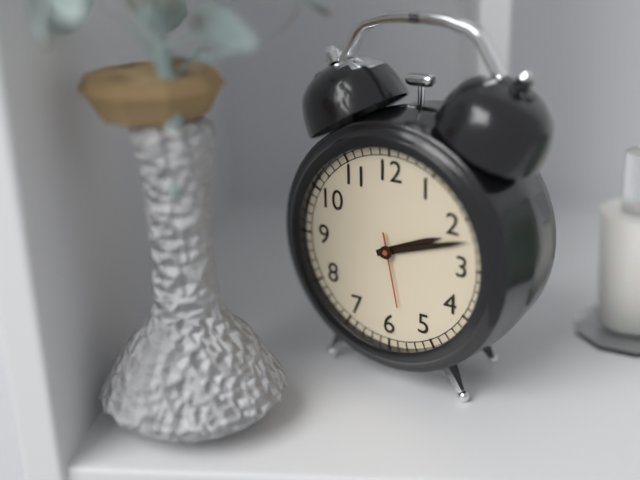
**2:12:28**
